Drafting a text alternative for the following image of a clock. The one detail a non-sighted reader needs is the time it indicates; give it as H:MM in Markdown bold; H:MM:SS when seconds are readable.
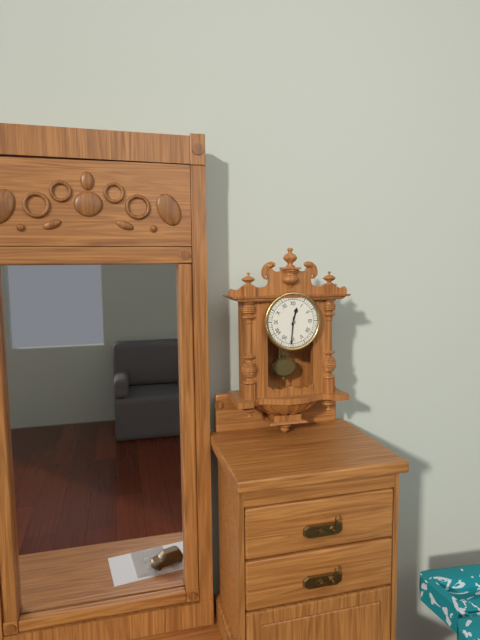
**12:31**
